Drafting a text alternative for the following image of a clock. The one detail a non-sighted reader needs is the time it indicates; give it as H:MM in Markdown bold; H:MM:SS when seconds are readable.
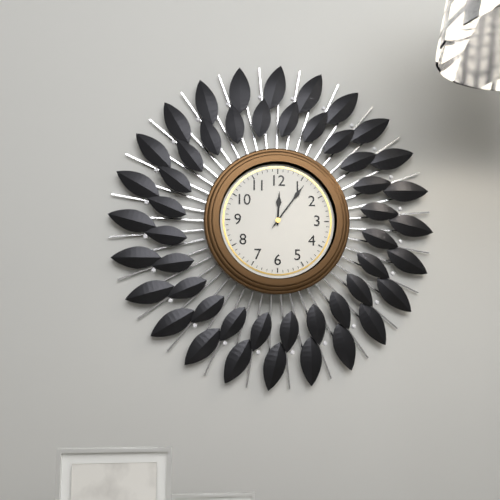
**12:06**
